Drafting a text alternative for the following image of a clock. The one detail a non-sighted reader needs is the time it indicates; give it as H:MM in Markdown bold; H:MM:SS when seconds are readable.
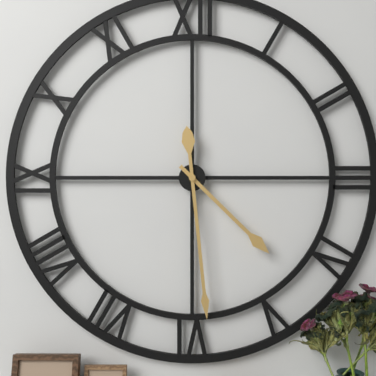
**4:29**
